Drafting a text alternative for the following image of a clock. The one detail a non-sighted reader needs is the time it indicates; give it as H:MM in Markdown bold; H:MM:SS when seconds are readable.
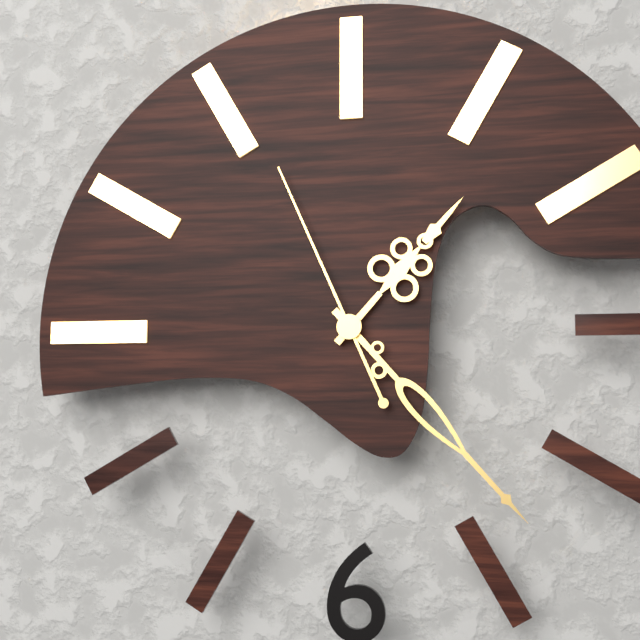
**1:23:56**
